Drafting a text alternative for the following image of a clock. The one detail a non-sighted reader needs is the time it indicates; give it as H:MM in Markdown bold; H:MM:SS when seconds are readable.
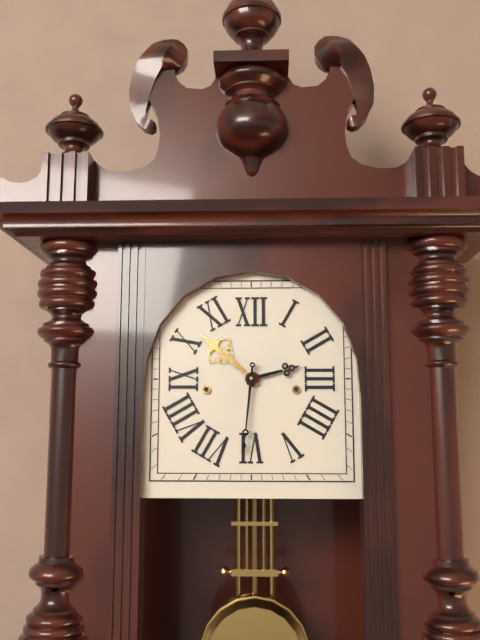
**2:31**
